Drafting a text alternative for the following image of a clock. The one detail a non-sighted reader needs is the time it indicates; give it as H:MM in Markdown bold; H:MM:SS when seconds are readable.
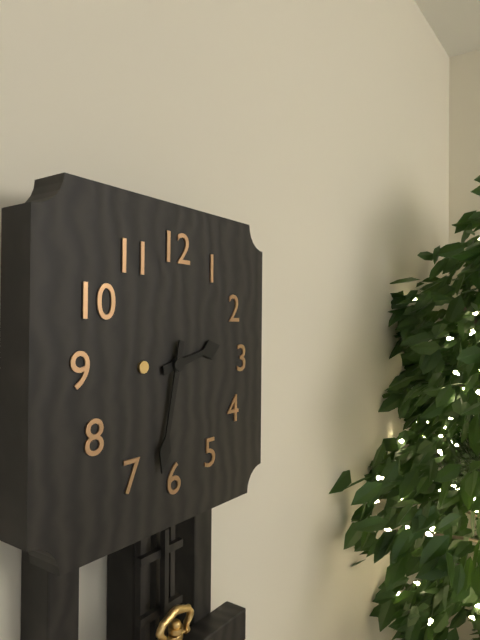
**2:32**
